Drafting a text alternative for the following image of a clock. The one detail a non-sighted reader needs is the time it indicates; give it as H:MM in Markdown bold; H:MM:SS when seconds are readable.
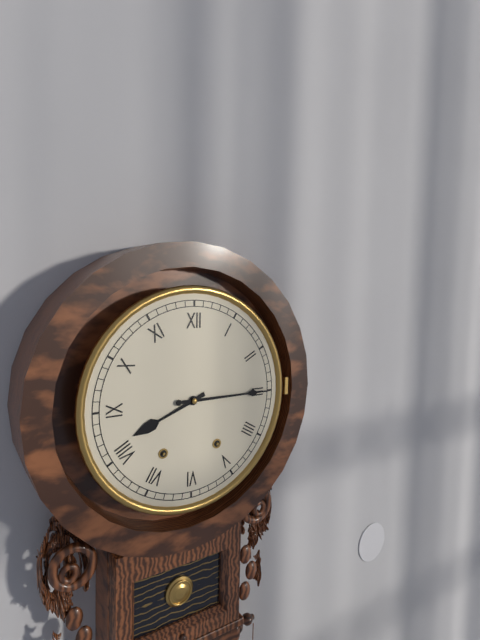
**8:15**
